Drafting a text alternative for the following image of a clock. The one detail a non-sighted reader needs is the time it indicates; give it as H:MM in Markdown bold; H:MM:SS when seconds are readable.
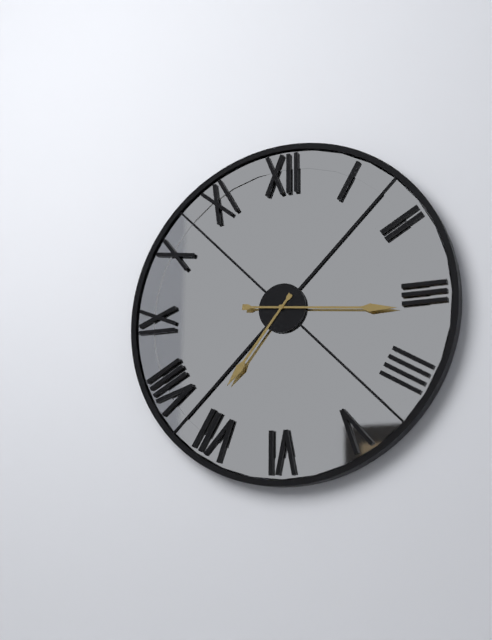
**7:16**
